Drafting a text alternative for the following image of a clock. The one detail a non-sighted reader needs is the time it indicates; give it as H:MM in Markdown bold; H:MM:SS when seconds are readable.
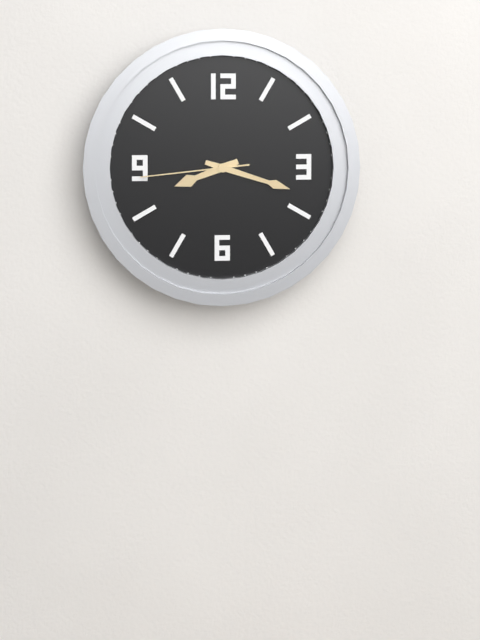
**8:18:44**
